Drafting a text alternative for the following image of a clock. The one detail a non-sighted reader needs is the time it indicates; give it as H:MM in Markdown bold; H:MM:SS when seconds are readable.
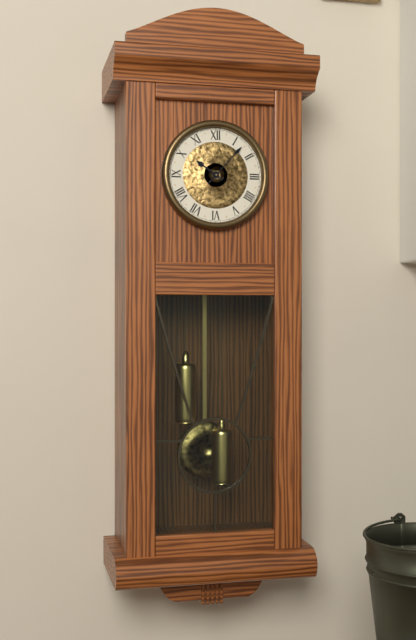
**10:07**
